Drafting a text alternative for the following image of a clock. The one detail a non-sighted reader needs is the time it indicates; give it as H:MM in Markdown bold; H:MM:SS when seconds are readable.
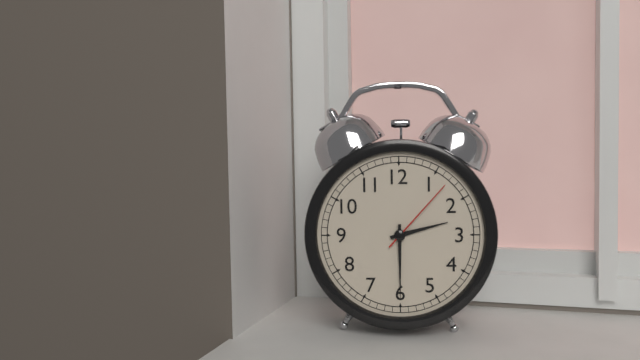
**2:30:07**
